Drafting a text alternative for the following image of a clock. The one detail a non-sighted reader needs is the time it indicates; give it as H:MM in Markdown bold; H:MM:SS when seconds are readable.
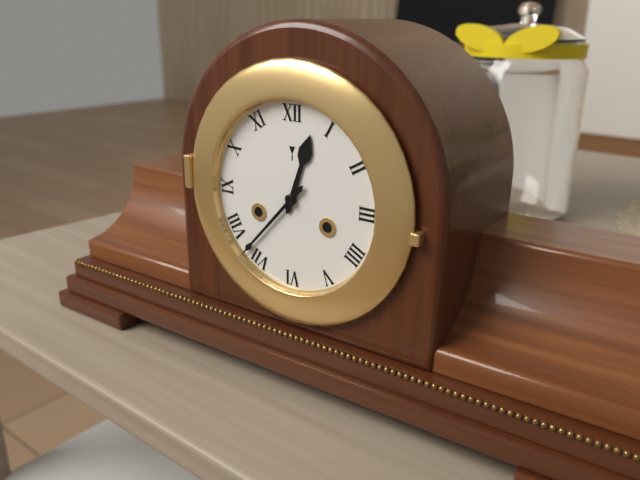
**12:37**
